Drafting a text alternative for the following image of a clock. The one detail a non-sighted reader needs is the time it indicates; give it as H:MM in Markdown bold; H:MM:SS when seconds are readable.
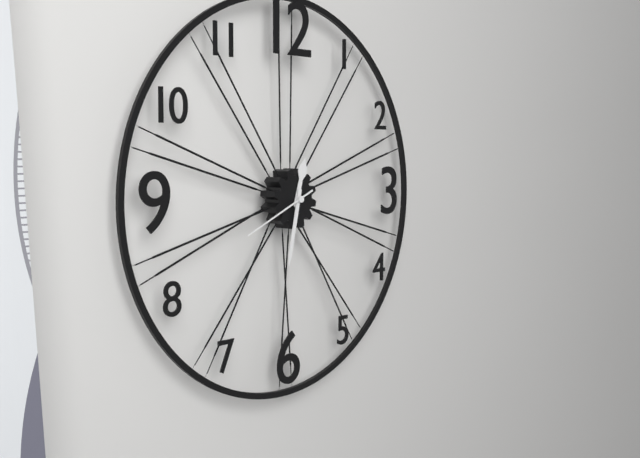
**12:32:41**
